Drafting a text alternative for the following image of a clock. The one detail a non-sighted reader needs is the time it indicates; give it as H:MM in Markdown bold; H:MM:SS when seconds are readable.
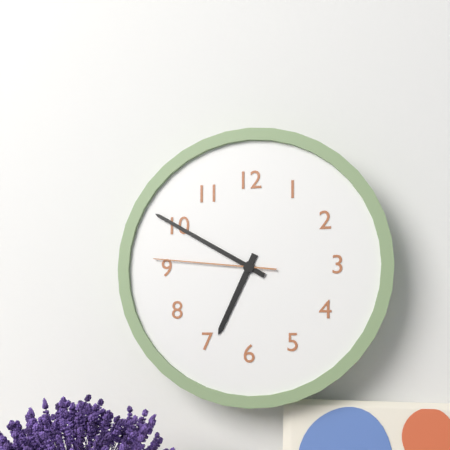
**6:50:46**
